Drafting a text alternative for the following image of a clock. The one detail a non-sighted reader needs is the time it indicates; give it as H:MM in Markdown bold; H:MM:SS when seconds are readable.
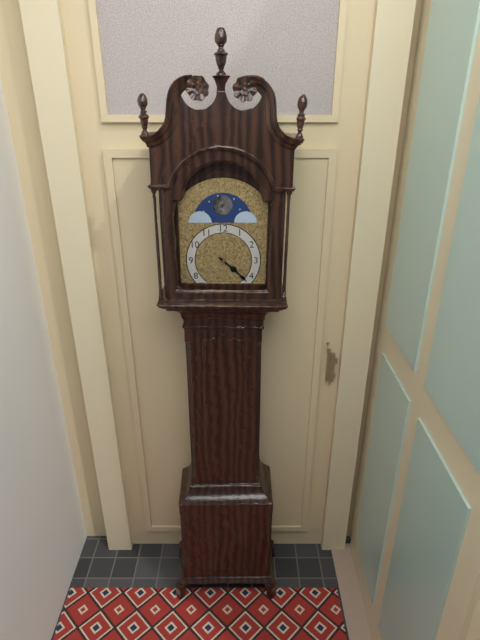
**4:22**
